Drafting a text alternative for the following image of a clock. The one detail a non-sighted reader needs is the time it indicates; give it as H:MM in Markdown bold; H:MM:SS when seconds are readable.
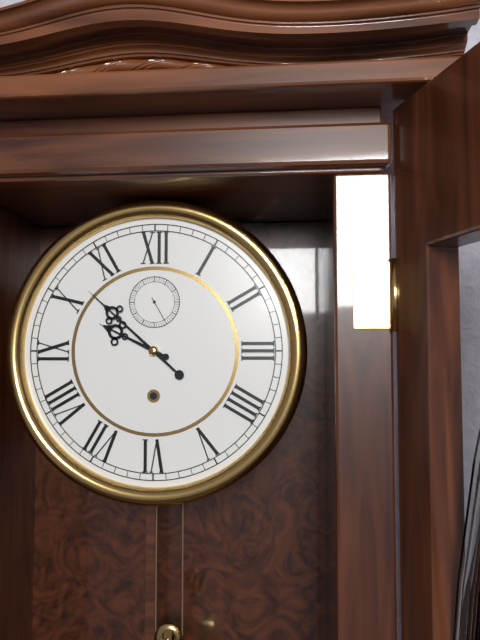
**9:52**
